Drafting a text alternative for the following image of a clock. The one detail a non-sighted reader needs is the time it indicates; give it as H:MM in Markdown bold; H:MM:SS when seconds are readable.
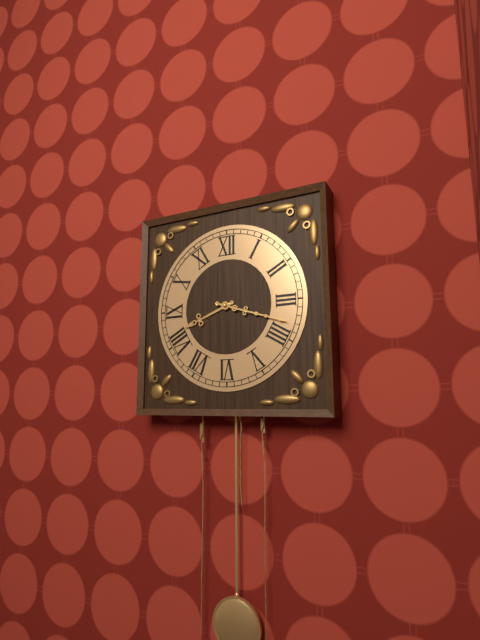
**8:18**
